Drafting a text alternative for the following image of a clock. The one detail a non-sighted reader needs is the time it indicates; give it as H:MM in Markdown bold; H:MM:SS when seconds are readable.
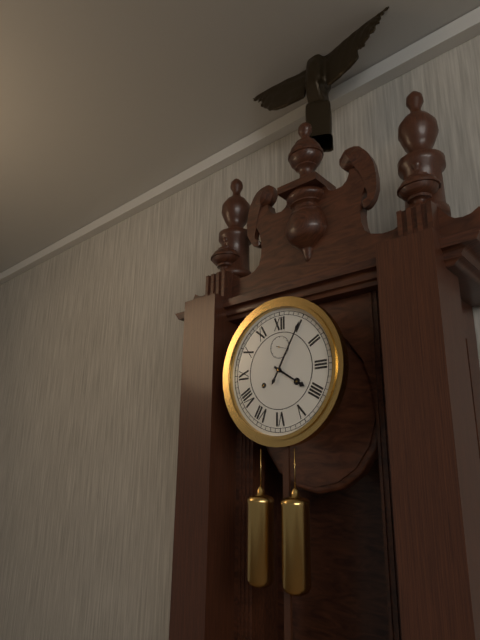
**4:05**
